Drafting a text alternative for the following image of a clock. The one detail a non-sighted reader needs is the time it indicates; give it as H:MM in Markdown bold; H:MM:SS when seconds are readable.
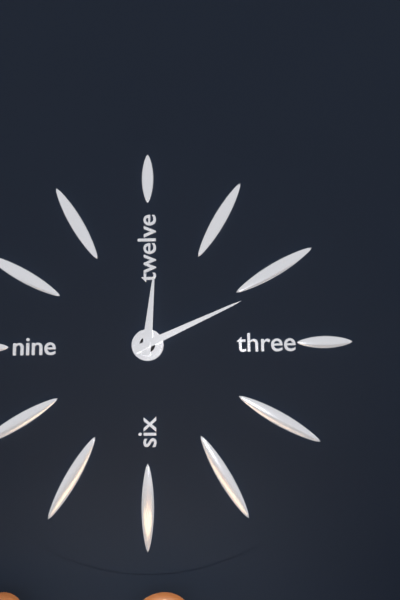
**12:11**
